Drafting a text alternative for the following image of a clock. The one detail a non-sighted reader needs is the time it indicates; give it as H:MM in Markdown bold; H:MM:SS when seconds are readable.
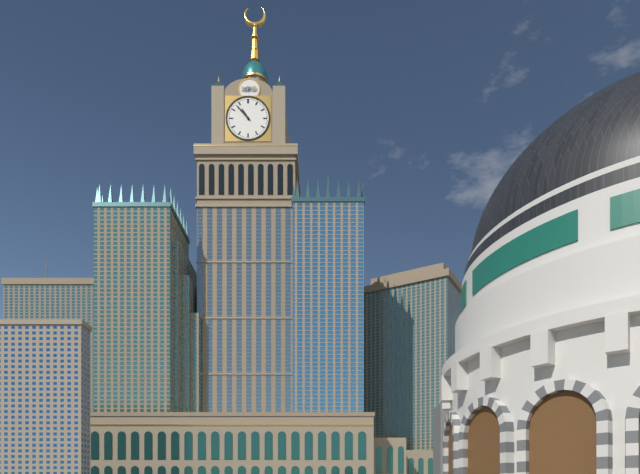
**10:53**
